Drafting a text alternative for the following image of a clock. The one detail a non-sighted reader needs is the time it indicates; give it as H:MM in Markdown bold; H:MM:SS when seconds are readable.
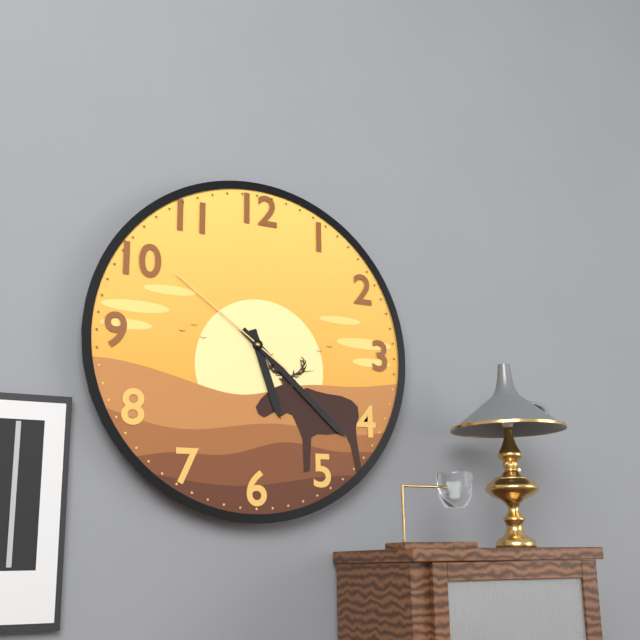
**5:22:51**
